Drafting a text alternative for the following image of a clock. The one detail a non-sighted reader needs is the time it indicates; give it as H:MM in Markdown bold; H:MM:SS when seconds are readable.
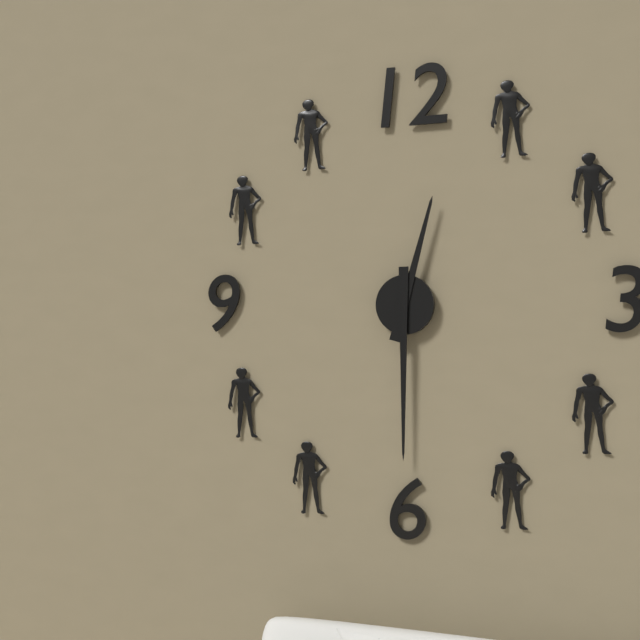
**12:30**
